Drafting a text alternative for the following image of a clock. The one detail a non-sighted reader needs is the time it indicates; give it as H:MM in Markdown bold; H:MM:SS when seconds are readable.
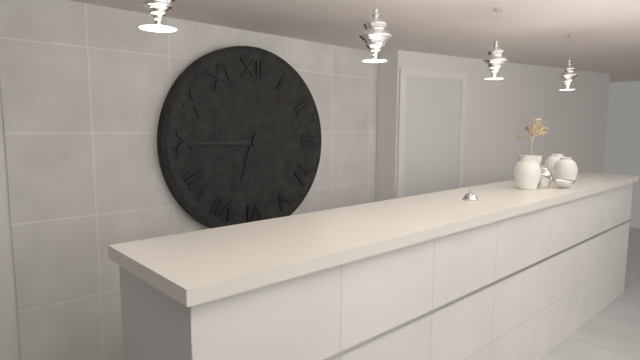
**6:45**
